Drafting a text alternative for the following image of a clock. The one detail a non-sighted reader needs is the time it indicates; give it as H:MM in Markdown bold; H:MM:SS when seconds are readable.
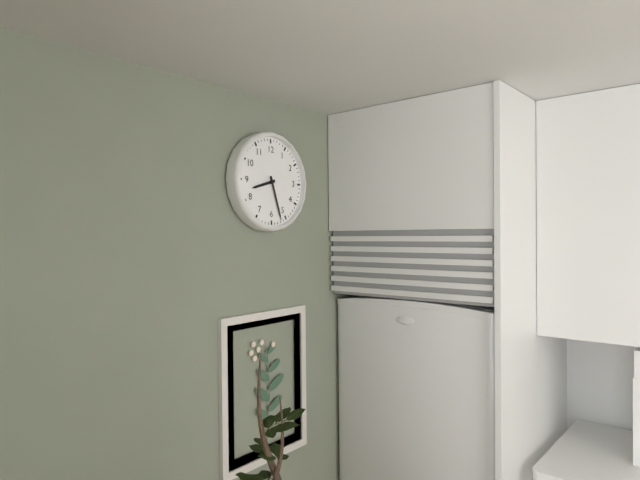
**8:27**
